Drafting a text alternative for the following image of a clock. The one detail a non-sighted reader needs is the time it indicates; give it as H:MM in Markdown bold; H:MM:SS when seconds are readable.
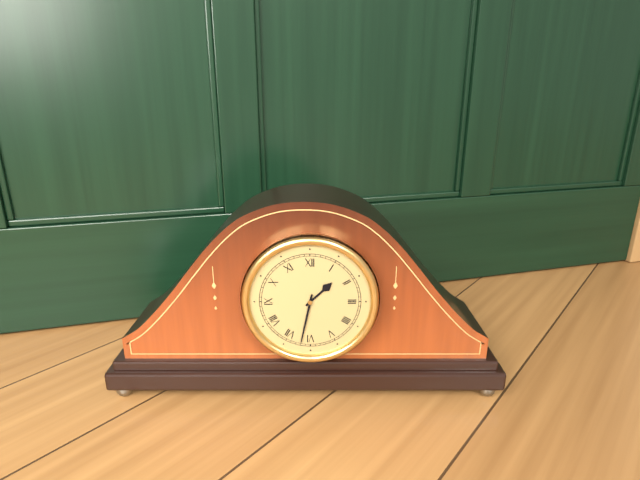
**1:32**
